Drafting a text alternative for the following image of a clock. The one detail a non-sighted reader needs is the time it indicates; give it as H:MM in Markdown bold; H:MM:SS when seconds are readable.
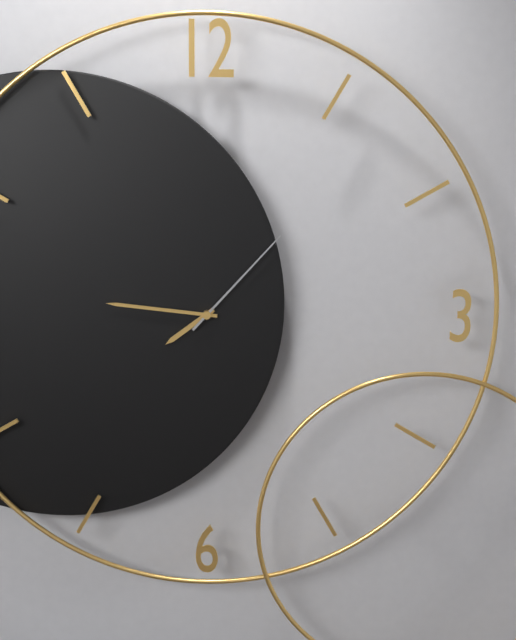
**7:46:07**
